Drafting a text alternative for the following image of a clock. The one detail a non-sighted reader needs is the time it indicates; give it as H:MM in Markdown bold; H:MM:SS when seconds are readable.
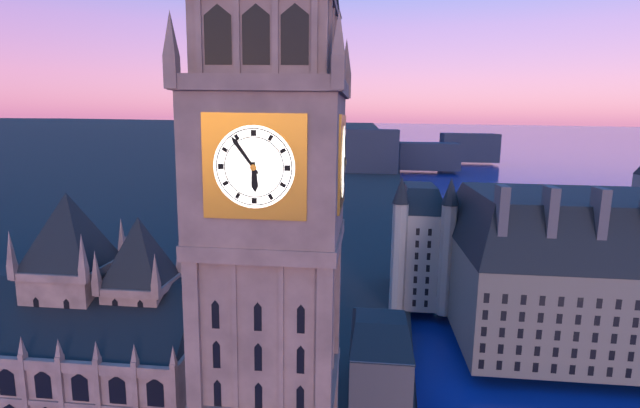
**5:54**
